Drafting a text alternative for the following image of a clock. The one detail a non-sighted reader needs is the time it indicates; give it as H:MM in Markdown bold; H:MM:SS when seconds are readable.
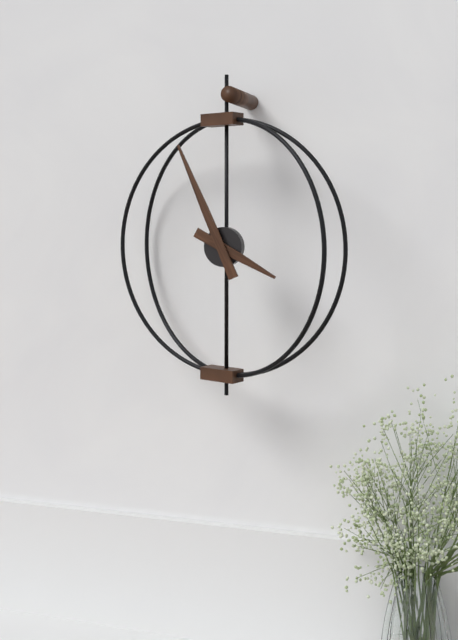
**3:56**
